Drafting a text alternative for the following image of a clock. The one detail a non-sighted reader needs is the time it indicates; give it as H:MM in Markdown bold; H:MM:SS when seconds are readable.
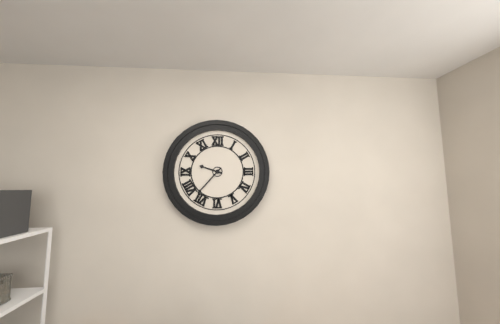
**9:37**
